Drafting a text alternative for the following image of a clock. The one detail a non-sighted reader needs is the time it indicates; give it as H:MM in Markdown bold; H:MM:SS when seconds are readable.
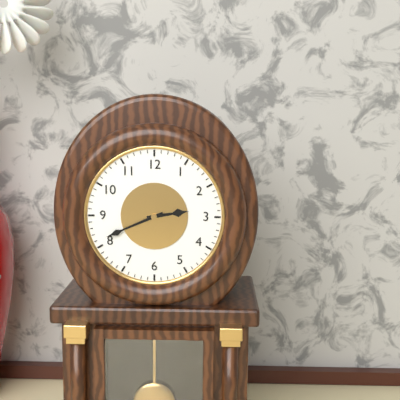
**2:41**
